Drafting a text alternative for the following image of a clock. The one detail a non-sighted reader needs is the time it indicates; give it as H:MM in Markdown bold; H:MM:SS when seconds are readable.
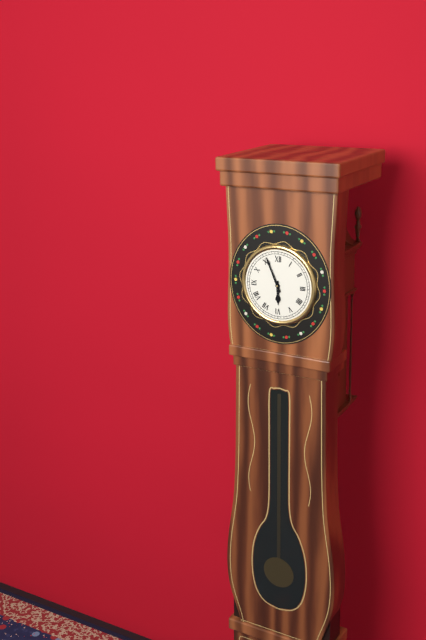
**5:56**
